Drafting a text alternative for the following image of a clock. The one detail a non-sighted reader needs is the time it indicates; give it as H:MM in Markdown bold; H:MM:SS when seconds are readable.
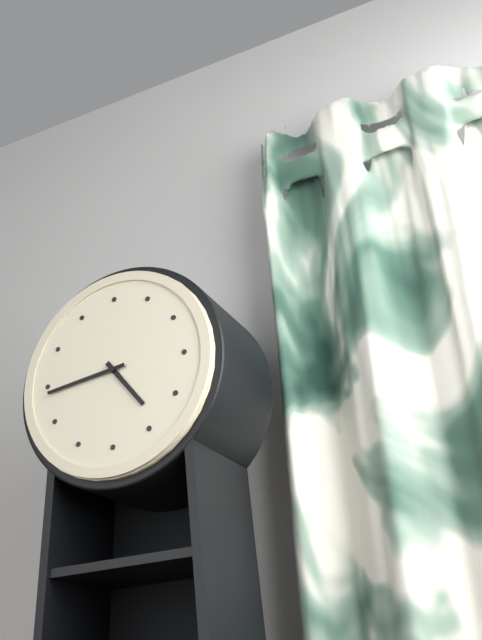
**4:44**
